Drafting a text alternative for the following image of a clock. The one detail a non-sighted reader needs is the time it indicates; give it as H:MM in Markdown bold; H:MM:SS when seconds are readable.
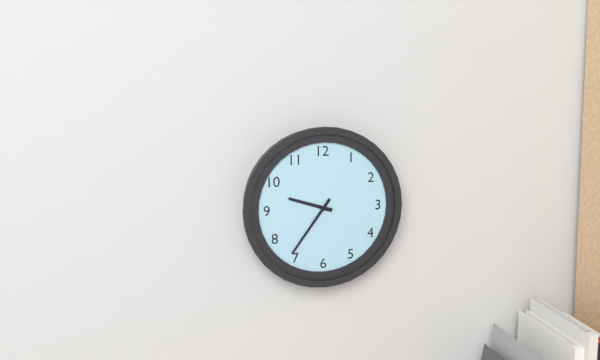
**9:36**
